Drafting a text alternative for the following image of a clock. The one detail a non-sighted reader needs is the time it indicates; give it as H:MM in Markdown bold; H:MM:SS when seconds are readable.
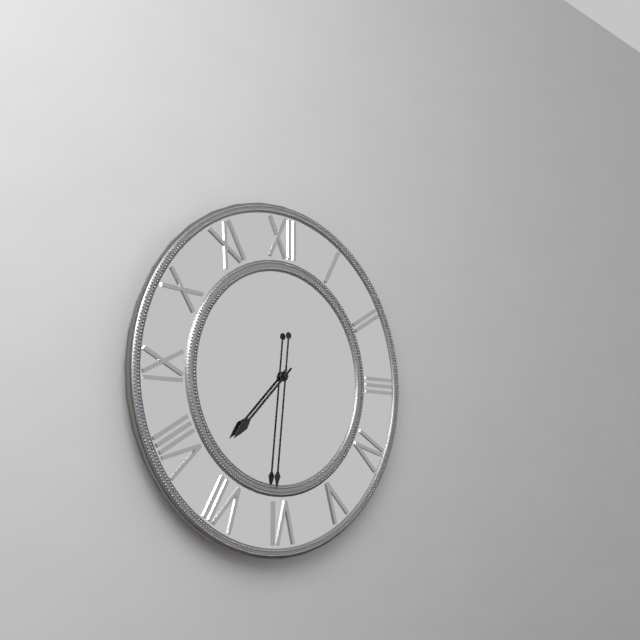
**7:31**
